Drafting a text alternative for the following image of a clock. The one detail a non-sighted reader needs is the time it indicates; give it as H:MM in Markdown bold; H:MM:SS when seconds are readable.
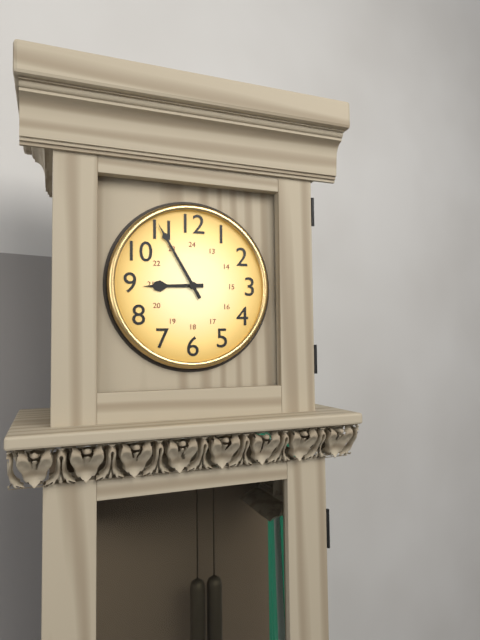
**8:55**
